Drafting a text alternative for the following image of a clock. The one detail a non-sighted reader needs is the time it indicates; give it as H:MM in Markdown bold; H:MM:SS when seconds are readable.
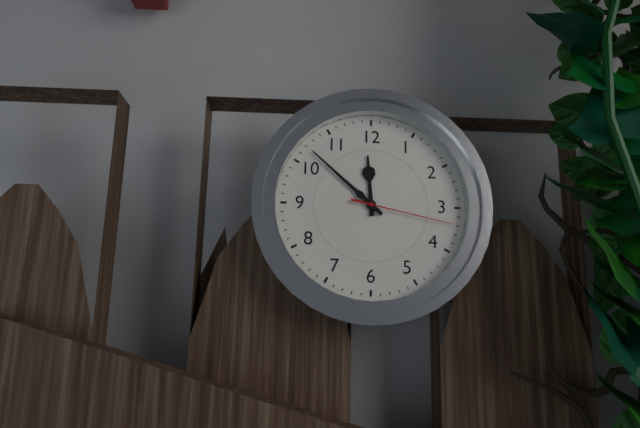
**11:52:17**
